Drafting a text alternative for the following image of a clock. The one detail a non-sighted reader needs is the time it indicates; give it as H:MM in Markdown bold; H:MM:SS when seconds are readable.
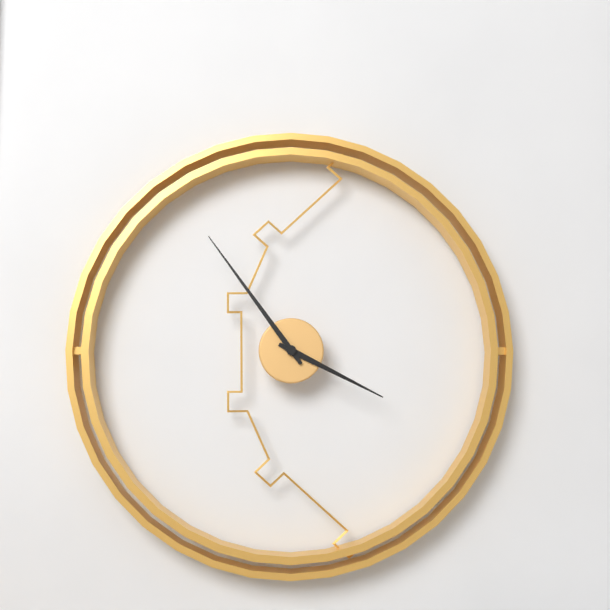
**3:54**
